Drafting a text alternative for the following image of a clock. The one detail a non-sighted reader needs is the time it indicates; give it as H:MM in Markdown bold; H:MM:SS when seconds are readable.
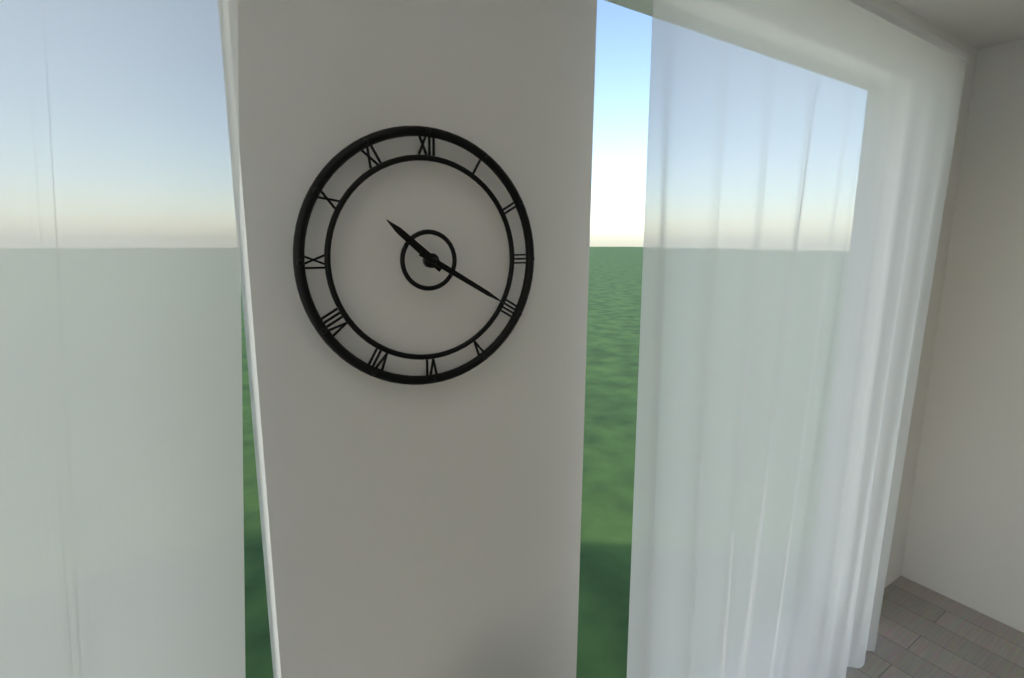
**10:20**
